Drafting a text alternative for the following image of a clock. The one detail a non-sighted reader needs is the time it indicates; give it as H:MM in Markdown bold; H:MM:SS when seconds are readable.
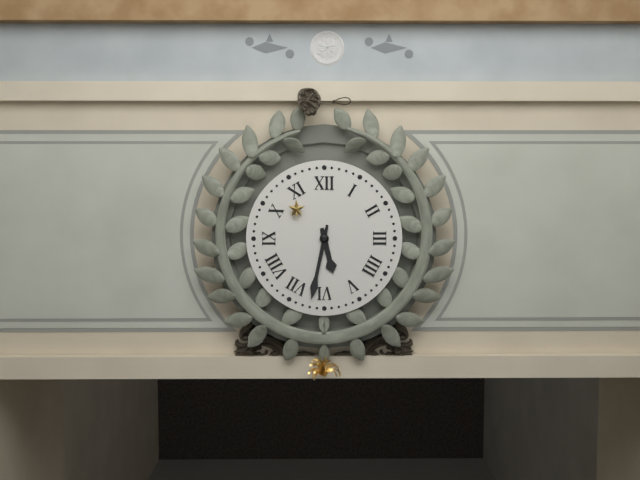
**5:32**
